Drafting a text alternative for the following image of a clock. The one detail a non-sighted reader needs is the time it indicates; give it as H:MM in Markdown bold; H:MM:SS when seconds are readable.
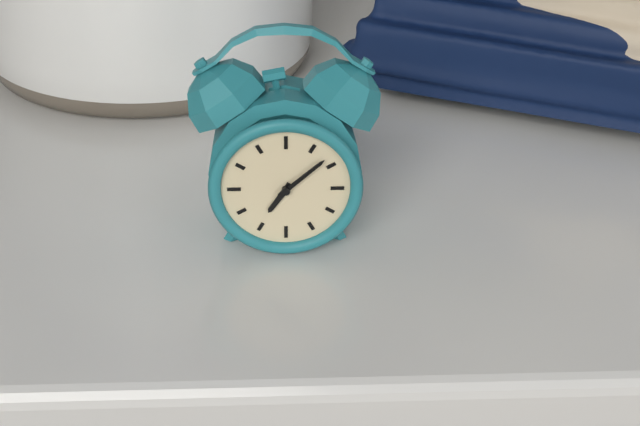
**7:08**
